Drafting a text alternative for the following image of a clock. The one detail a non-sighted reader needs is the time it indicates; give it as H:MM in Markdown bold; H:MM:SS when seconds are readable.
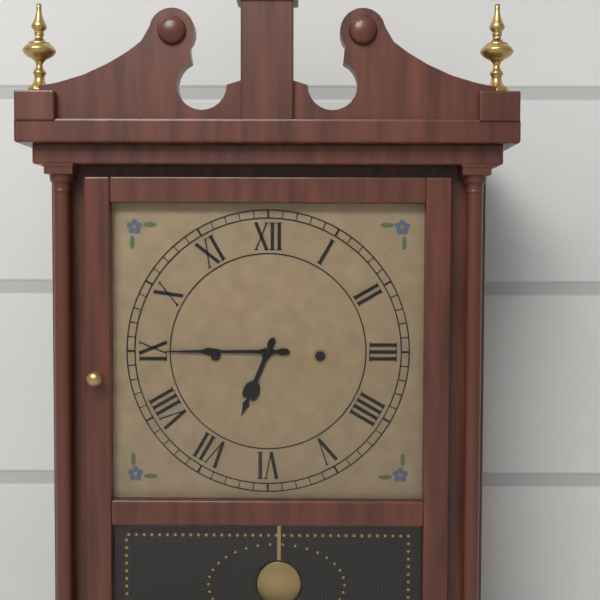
**6:45**
